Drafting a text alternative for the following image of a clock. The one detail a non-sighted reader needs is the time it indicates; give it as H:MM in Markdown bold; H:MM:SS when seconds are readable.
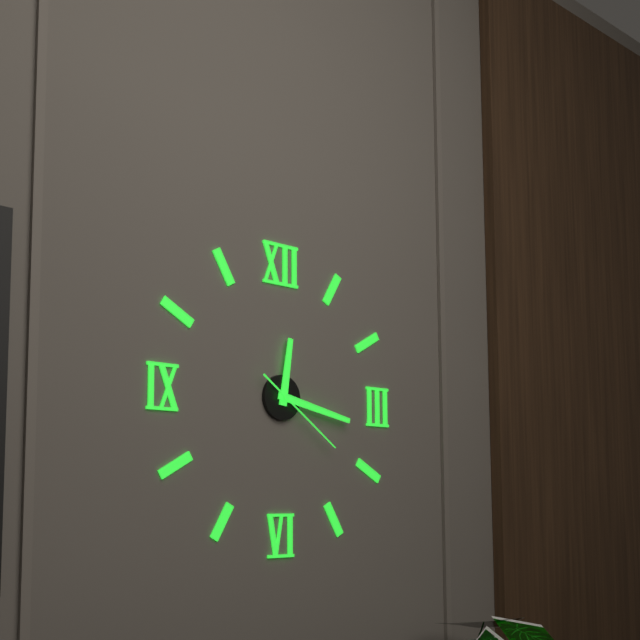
**12:17:21**
